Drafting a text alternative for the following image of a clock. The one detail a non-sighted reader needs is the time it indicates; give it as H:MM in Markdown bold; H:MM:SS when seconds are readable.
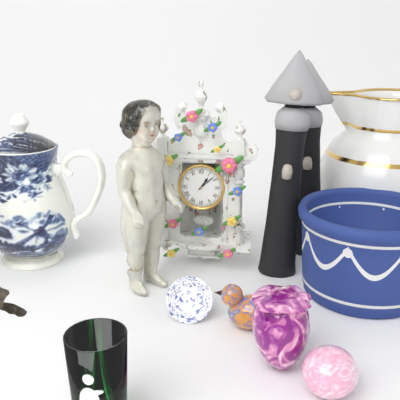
**1:08**
